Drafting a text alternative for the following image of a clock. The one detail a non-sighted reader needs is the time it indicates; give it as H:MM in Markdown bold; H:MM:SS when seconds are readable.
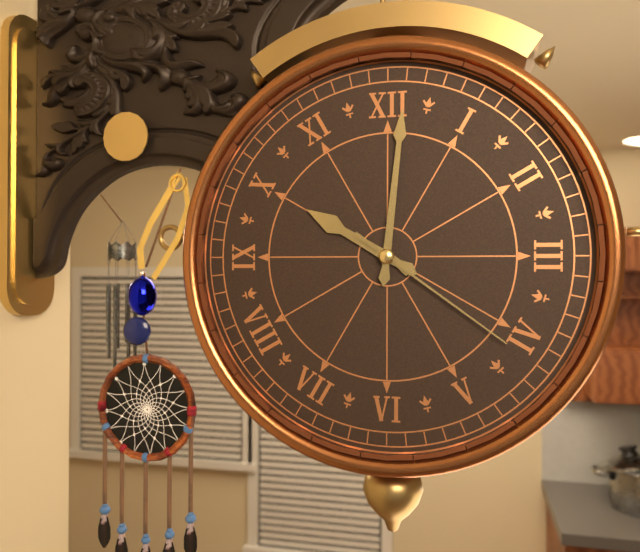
**10:01:21**
